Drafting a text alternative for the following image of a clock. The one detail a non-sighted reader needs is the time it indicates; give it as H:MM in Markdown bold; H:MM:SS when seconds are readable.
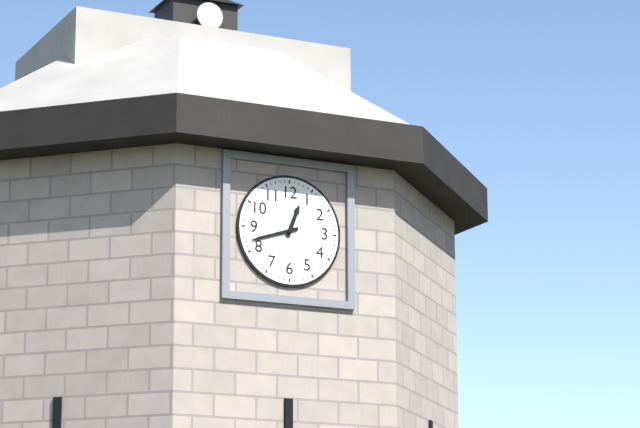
**12:42**
